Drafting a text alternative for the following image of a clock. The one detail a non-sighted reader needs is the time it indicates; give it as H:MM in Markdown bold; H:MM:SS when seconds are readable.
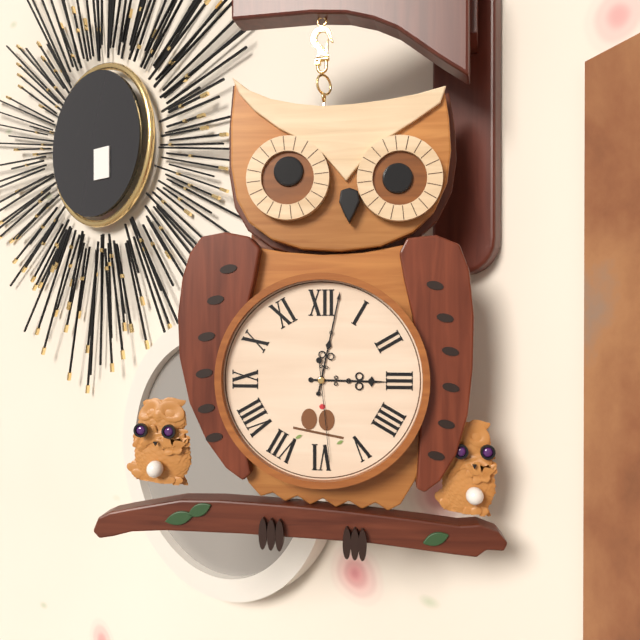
**3:02:29**
